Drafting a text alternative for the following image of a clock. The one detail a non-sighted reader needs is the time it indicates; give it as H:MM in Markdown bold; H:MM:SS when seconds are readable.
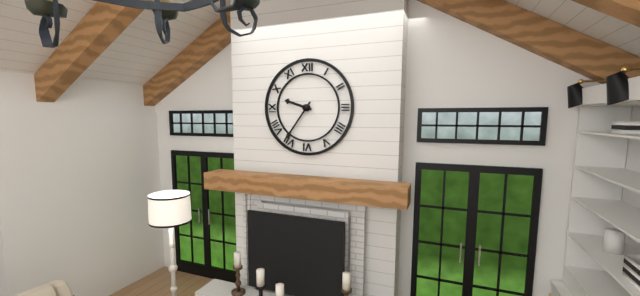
**9:36**
